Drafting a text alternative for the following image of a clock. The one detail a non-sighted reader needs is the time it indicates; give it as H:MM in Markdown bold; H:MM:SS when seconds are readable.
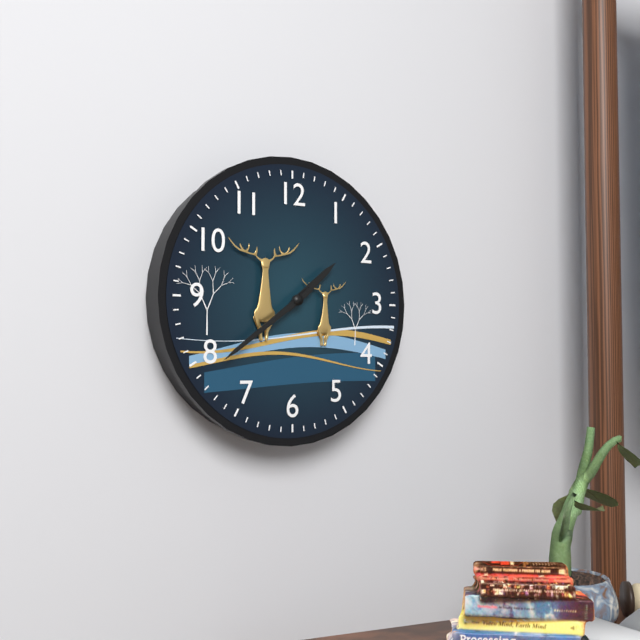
**1:39**
